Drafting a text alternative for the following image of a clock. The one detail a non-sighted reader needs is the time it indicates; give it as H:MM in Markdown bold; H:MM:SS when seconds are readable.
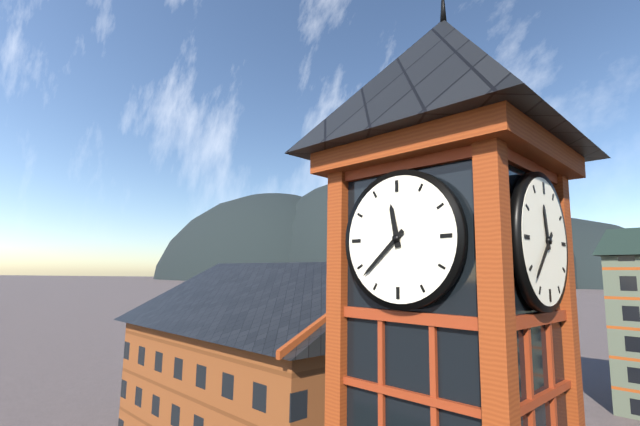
**11:38**
